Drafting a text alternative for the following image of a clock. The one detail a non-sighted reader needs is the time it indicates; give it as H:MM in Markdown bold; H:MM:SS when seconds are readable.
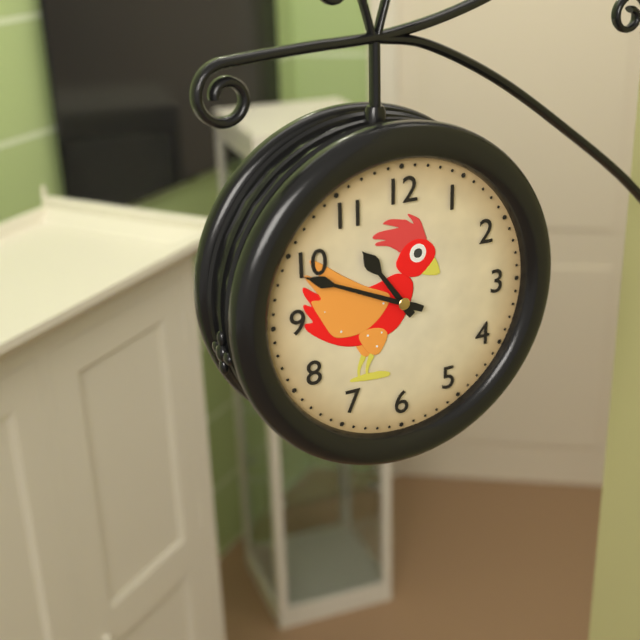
**10:49**
